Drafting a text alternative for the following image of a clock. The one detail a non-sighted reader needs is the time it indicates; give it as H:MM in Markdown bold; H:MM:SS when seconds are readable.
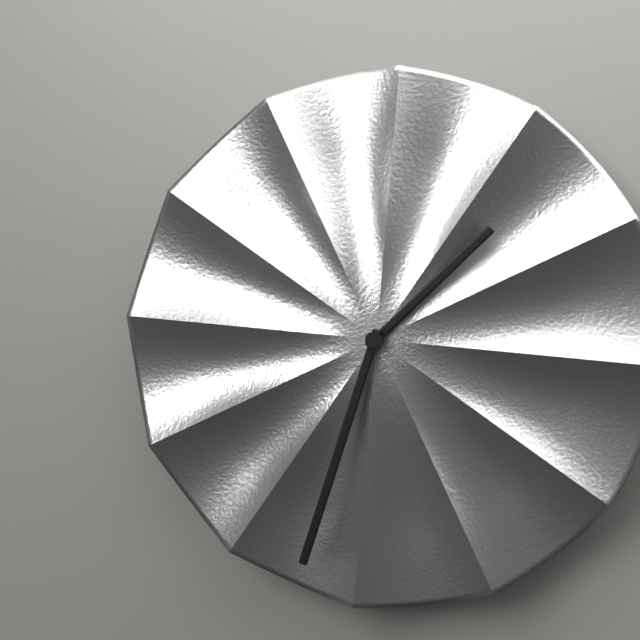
**1:33**
